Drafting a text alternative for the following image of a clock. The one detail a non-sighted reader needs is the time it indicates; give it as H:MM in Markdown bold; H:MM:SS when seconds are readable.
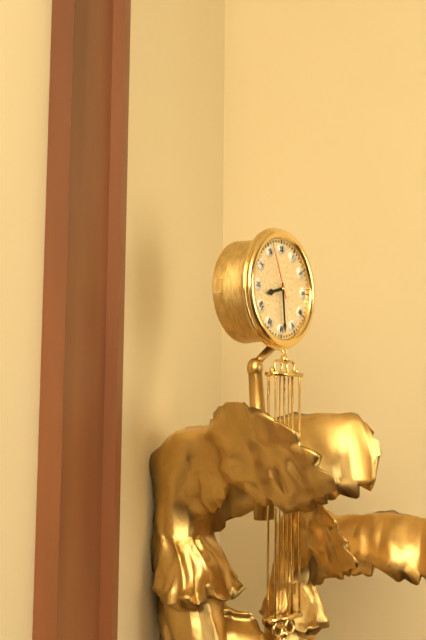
**8:29:56**
